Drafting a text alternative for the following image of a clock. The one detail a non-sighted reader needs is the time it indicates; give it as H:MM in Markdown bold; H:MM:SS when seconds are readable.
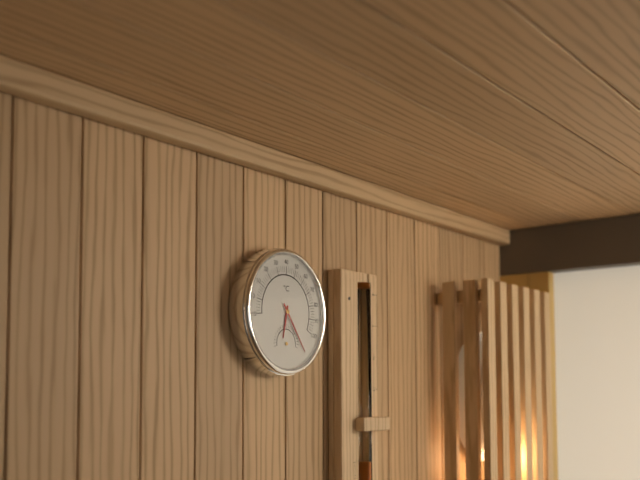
**6:24**
